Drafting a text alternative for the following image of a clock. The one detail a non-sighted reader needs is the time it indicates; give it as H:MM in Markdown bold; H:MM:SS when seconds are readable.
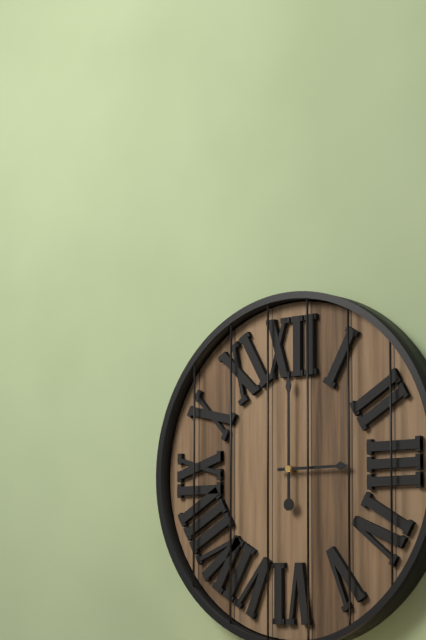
**3:00**
